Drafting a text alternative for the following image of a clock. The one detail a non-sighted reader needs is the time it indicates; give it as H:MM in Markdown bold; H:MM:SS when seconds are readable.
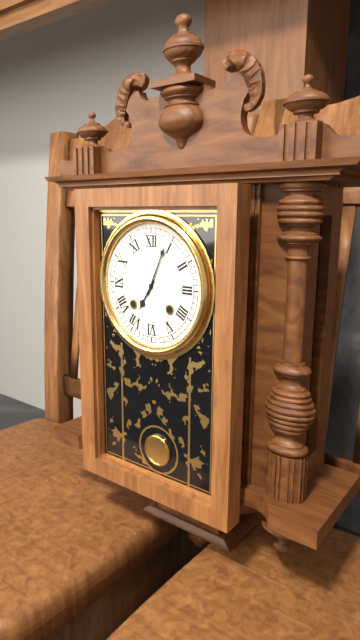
**7:04**
